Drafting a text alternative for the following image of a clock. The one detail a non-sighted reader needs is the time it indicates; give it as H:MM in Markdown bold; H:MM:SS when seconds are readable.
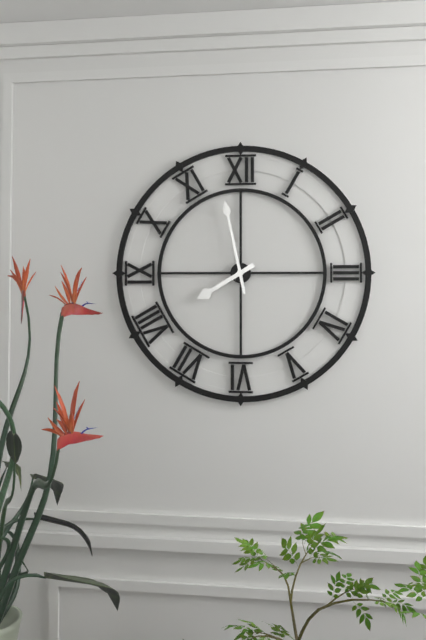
**7:58**
